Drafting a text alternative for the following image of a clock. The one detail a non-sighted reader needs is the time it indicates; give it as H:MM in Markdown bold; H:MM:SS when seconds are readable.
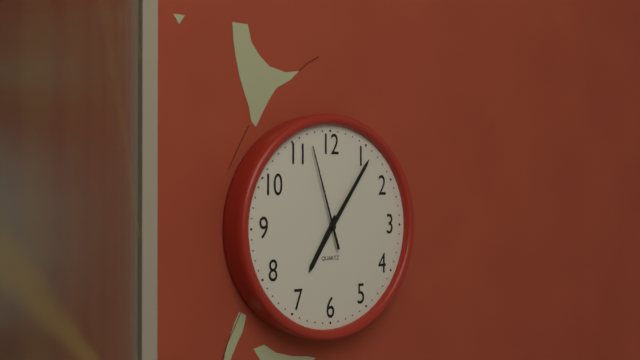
**7:06:57**
